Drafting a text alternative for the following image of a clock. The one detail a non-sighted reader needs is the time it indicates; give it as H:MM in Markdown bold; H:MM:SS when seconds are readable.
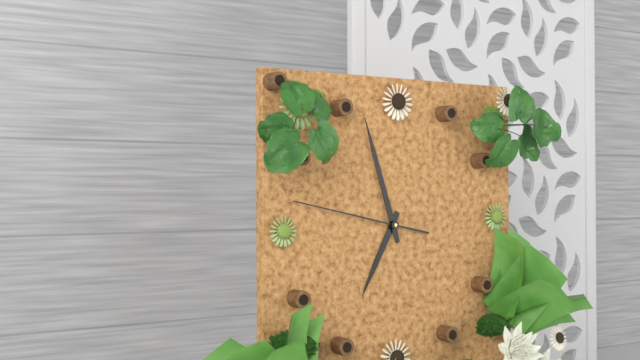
**6:57:47**
